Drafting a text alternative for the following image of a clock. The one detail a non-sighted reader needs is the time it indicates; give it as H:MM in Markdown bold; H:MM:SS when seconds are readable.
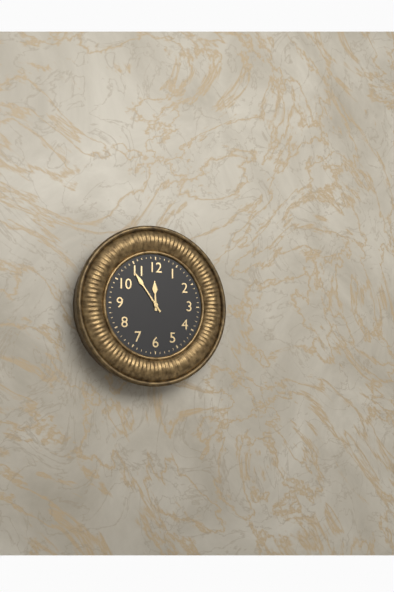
**11:54**
